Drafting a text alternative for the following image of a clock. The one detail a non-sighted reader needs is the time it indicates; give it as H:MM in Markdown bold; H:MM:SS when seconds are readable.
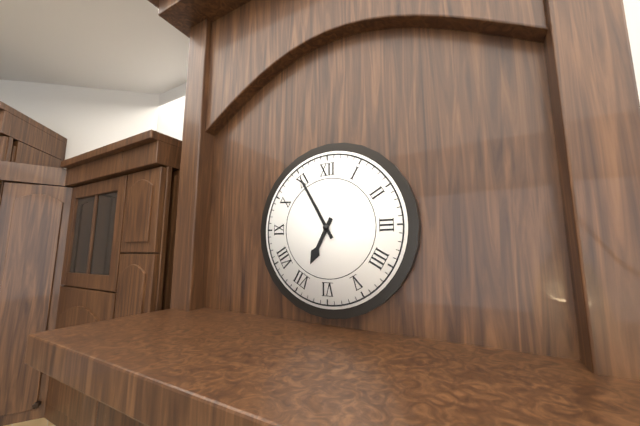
**6:55**
